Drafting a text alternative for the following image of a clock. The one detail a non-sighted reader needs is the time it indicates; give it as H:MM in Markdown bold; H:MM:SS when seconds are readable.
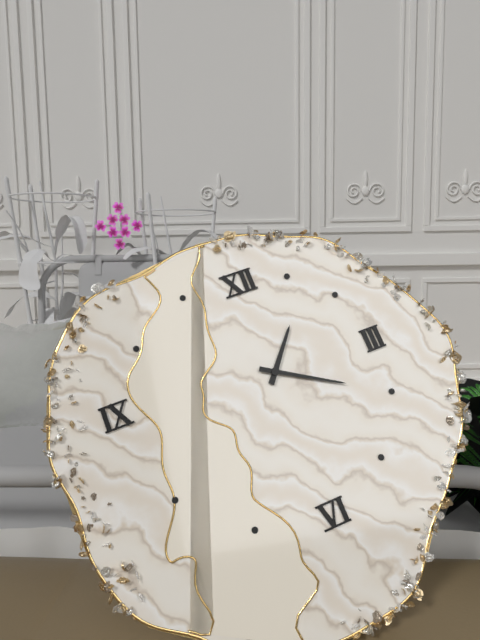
**1:20**
